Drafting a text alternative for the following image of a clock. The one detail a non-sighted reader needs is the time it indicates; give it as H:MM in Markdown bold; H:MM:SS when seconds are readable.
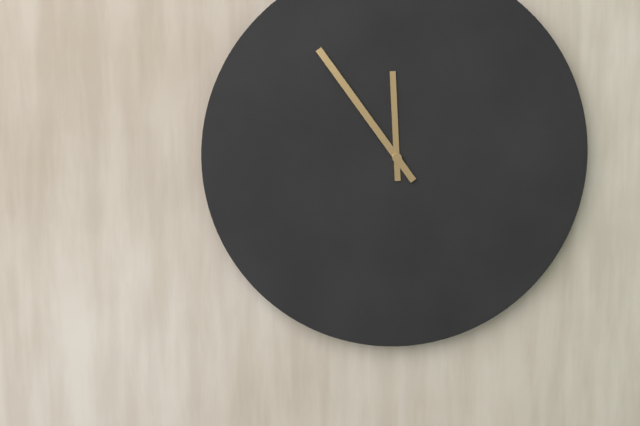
**11:54**
